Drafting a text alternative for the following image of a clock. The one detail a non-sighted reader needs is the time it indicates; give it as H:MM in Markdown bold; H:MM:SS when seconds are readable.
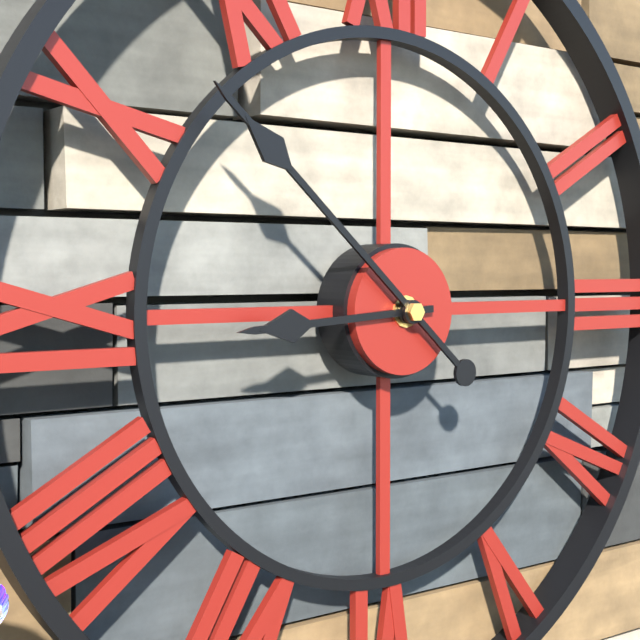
**8:52**
